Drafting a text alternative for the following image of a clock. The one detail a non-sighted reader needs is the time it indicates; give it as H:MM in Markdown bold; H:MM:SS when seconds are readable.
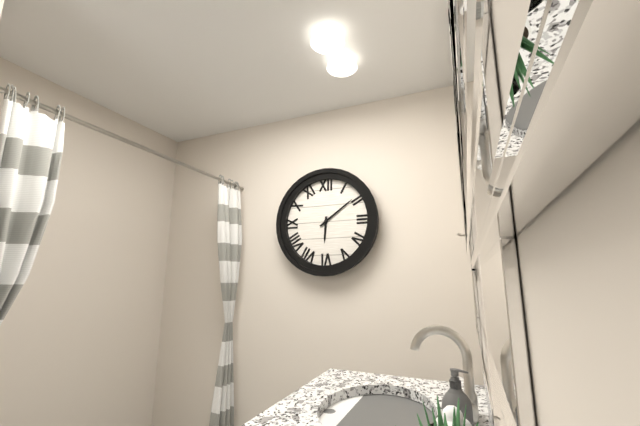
**6:09**
